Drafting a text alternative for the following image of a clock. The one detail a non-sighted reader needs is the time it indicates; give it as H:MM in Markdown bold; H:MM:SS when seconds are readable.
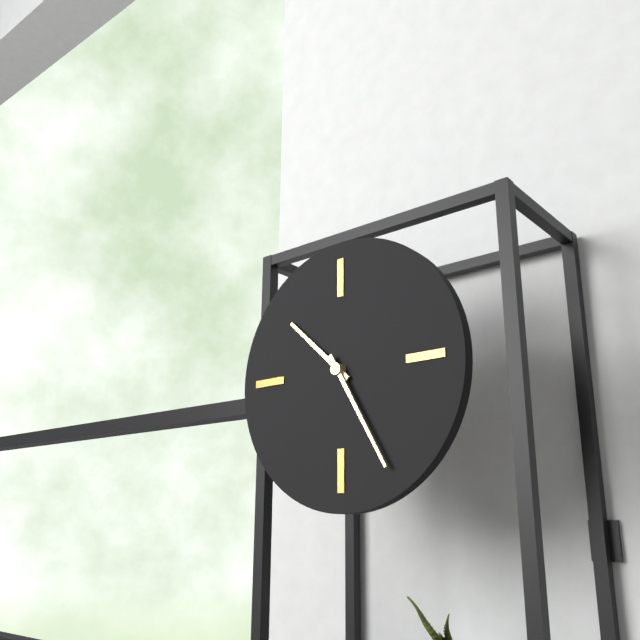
**10:25**
